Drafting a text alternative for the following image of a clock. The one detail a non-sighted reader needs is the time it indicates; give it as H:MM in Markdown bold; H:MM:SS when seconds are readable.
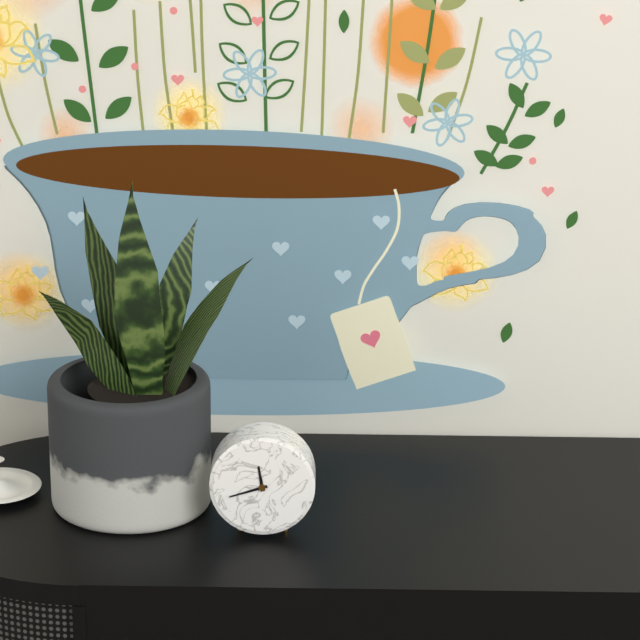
**11:42**
